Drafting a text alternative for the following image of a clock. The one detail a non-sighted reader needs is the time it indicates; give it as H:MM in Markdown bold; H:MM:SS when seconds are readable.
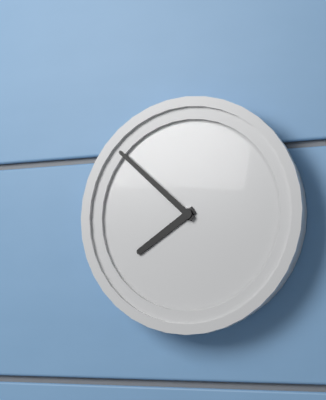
**7:52**
